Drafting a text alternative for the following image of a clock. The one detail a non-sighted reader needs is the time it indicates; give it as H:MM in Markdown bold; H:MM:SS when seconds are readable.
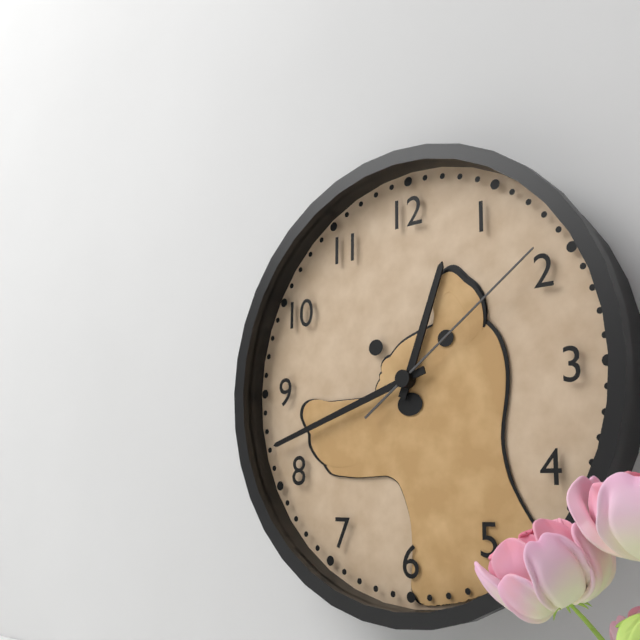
**12:42:09**
